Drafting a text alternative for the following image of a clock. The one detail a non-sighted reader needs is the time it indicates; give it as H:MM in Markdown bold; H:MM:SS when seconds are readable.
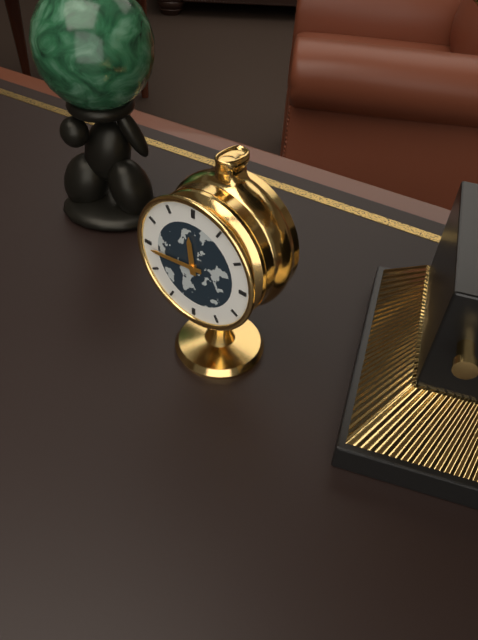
**11:44**
